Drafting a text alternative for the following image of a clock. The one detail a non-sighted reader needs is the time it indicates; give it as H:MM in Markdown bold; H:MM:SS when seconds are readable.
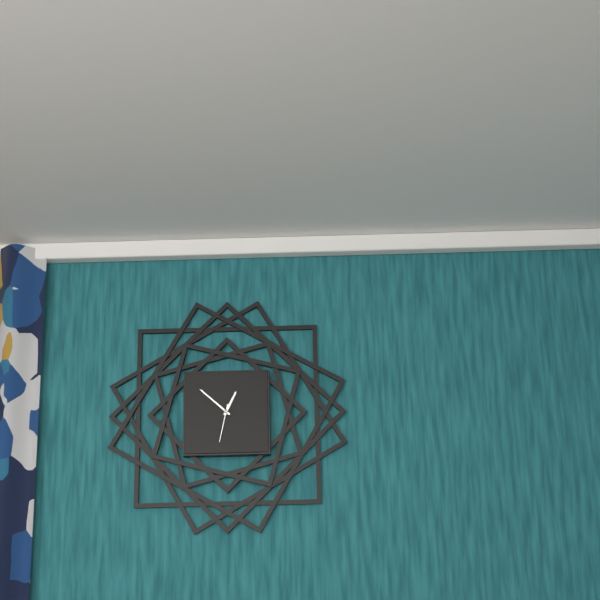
**12:52**
